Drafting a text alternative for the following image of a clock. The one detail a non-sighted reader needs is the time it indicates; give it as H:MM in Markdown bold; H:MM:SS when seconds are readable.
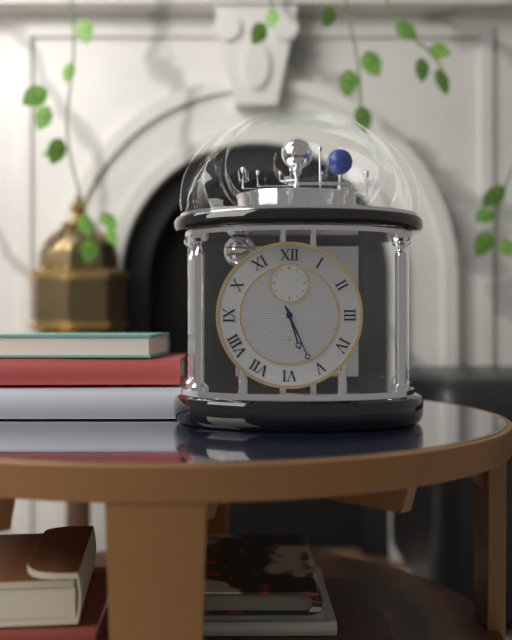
**5:26**
